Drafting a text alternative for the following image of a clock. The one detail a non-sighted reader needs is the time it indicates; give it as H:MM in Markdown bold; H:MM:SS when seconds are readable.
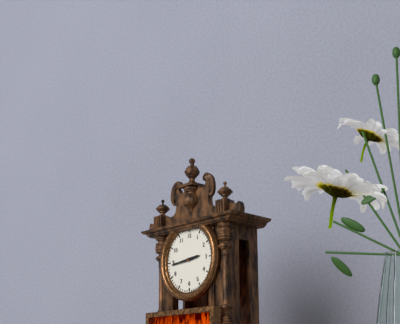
**2:44**
